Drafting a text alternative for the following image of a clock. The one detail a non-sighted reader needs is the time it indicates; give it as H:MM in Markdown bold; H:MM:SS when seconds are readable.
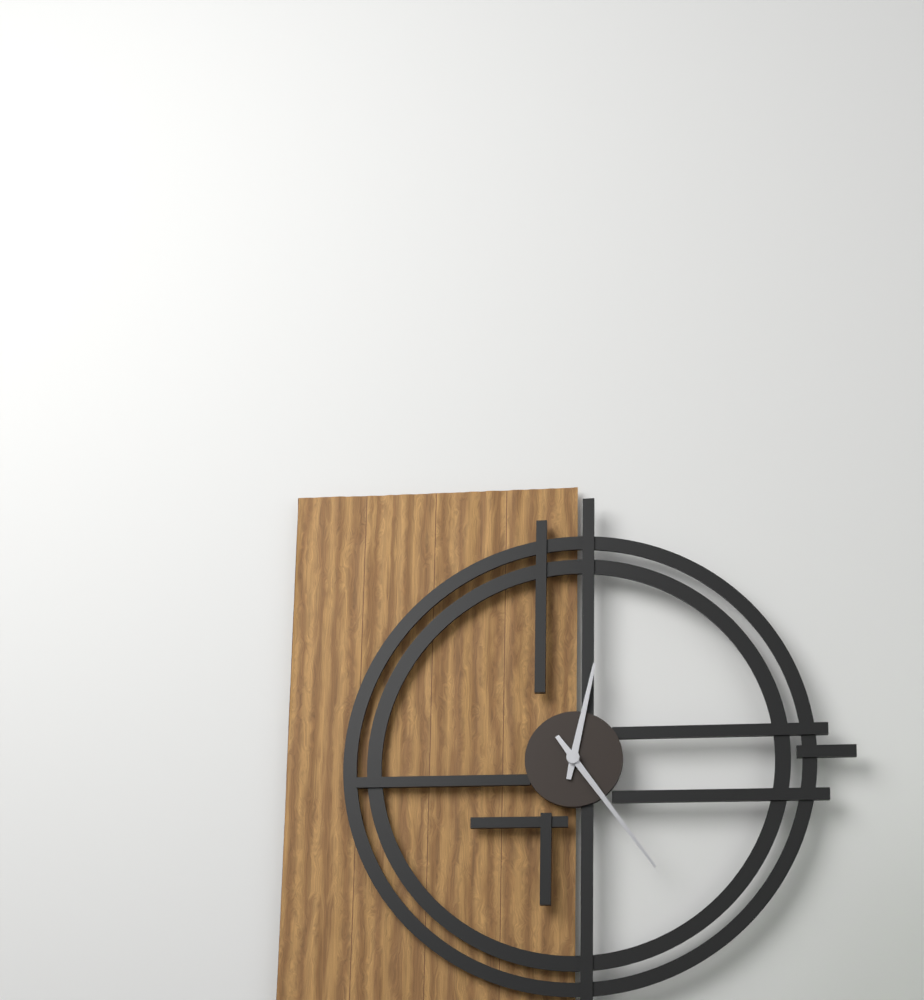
**12:24**
